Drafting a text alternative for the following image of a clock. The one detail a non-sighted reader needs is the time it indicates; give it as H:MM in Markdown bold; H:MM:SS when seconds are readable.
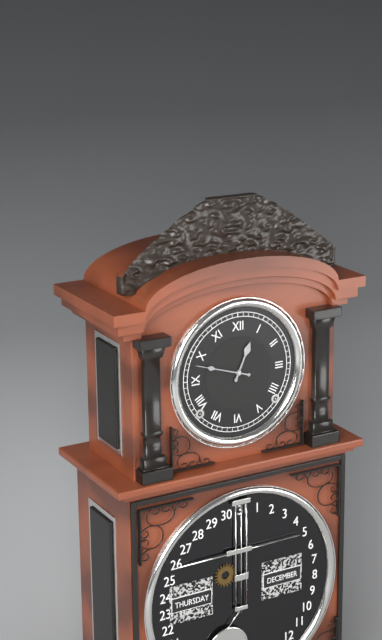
**12:48**
